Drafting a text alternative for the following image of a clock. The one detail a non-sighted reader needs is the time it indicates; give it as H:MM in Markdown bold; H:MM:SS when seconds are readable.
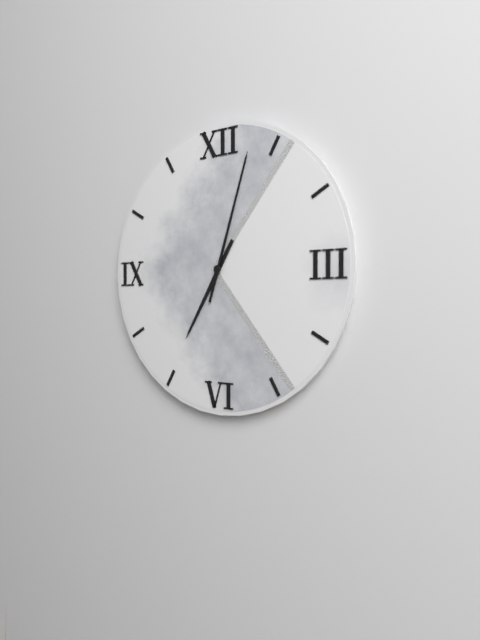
**7:03**
